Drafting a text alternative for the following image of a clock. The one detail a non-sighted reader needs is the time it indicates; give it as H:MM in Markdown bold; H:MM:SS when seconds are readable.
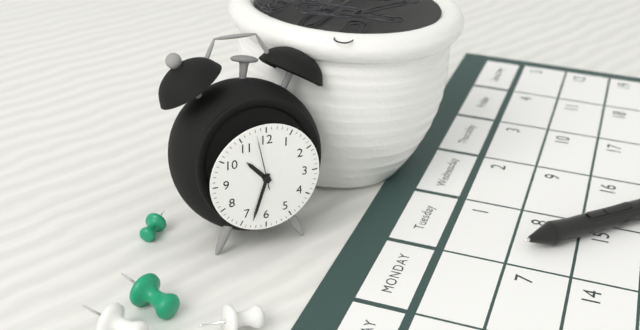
**10:33:58**
